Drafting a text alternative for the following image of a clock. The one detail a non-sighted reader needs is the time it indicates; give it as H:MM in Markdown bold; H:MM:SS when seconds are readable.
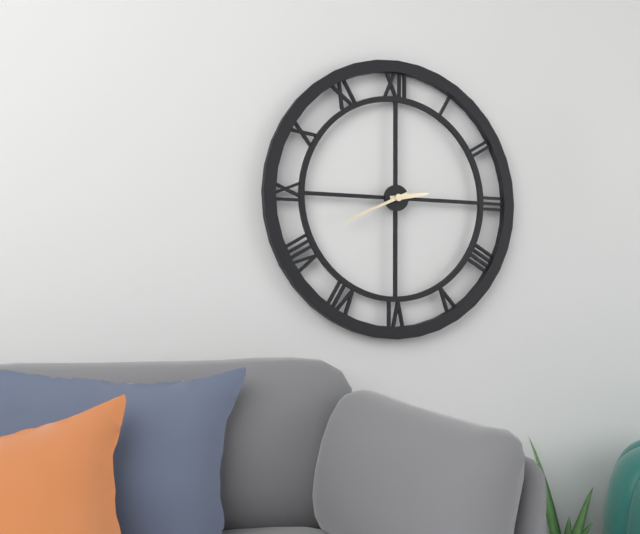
**2:41**
